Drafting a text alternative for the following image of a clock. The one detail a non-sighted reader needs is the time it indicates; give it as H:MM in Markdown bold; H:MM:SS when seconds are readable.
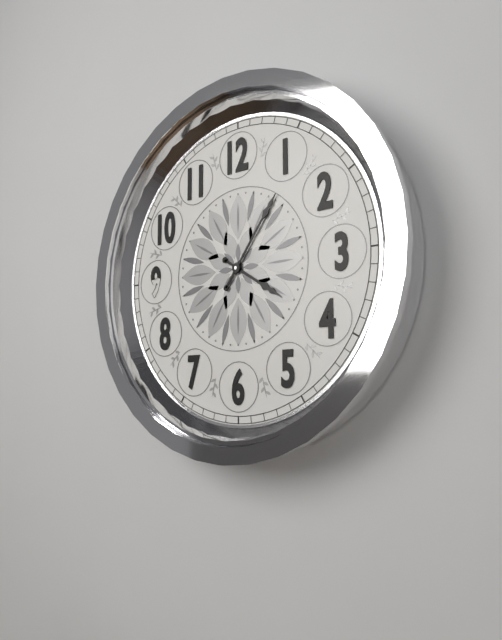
**4:06**
